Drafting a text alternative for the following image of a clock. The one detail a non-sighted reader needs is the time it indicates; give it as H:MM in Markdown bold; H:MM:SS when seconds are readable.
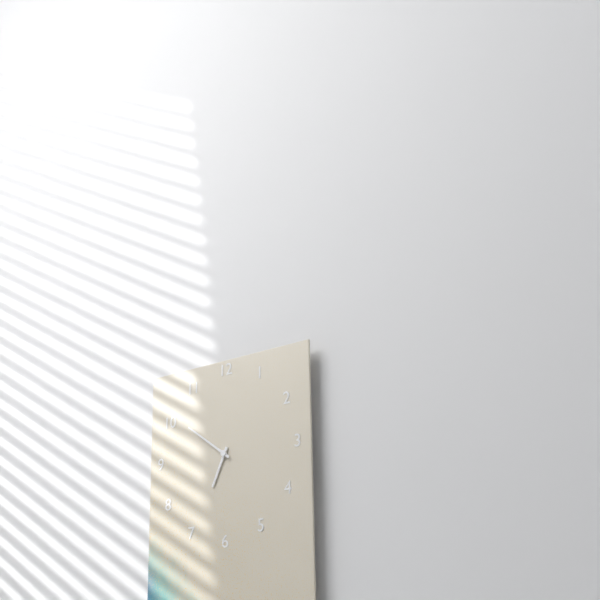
**6:51**
